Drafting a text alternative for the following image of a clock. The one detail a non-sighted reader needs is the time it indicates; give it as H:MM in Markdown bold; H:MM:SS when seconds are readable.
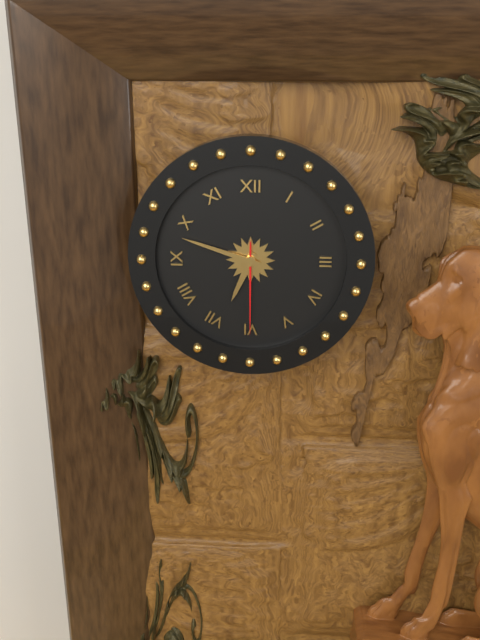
**6:48:30**
